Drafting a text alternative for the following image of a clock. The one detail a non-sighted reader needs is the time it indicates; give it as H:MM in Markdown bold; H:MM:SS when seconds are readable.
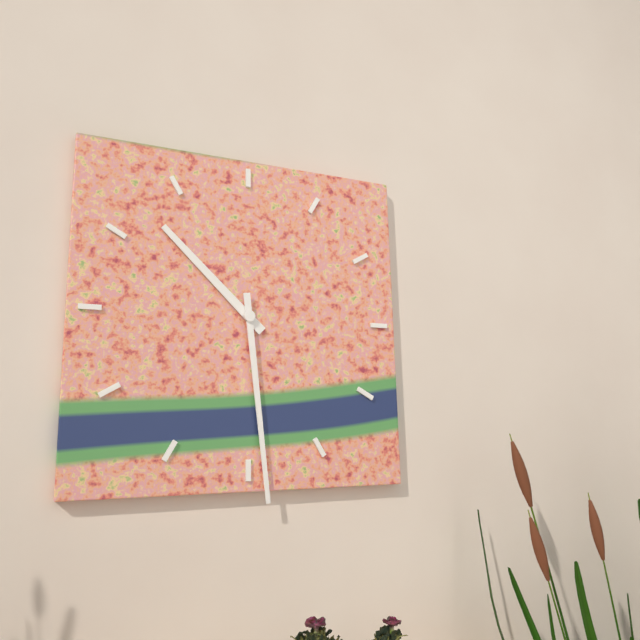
**10:29**
